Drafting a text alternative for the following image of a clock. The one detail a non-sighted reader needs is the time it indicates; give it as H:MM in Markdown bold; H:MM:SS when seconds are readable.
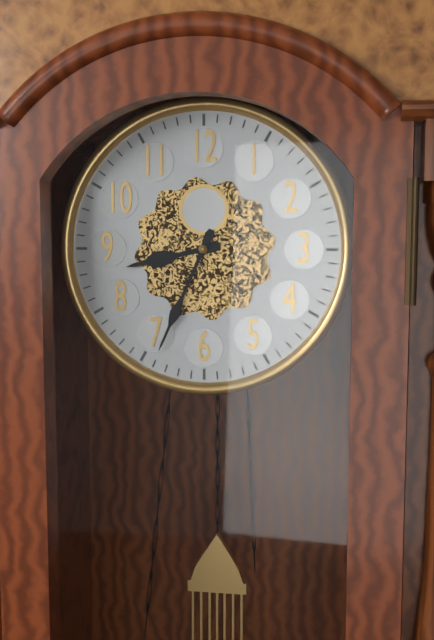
**8:34**
